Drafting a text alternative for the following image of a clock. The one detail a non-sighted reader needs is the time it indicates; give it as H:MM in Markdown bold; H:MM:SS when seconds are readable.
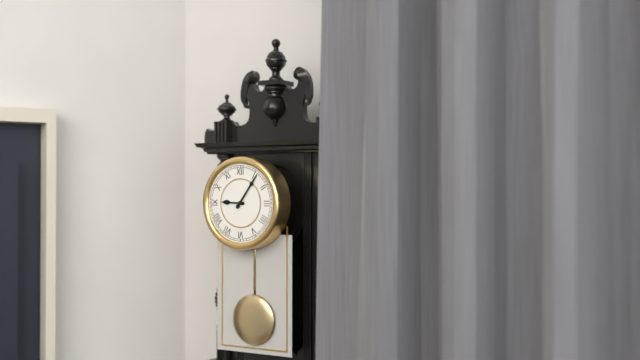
**9:06**
